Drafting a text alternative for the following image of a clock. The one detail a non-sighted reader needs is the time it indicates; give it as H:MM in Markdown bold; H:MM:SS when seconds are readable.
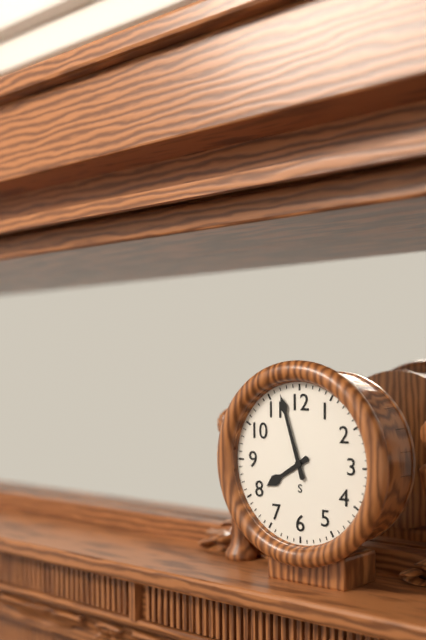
**7:57**
